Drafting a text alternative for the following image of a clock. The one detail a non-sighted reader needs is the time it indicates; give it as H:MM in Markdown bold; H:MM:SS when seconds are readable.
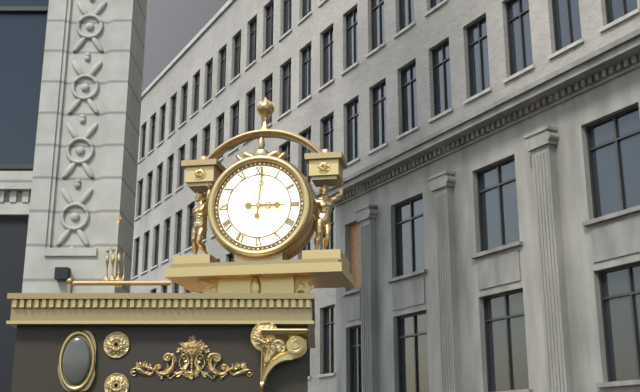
**3:01**
